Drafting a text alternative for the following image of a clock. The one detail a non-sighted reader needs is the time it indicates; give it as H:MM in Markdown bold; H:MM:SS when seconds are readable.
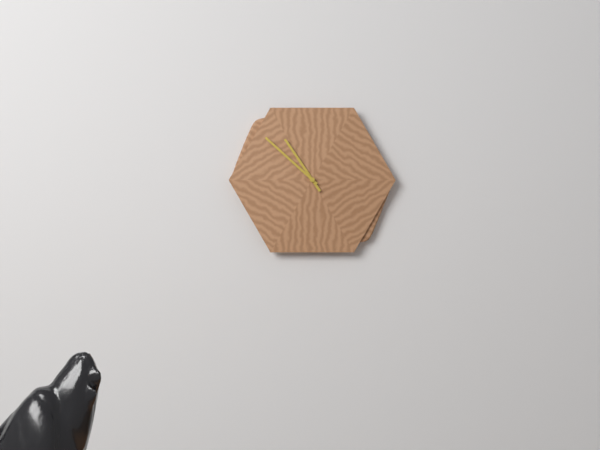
**10:52**
